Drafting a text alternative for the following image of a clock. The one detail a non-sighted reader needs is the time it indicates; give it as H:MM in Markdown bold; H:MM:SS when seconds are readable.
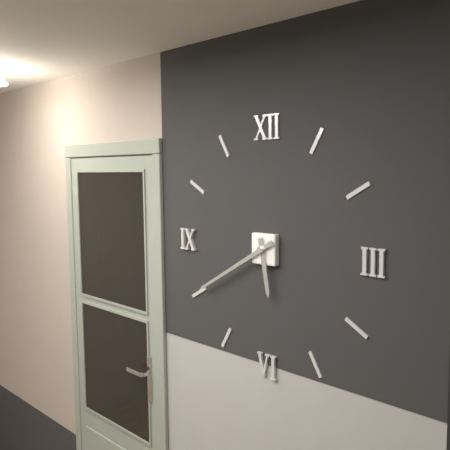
**5:40**
